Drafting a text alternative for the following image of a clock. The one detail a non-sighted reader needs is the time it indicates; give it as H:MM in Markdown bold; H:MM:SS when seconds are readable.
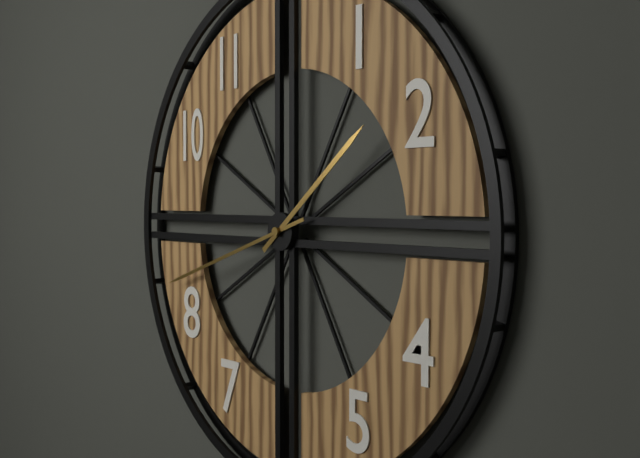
**1:42**
